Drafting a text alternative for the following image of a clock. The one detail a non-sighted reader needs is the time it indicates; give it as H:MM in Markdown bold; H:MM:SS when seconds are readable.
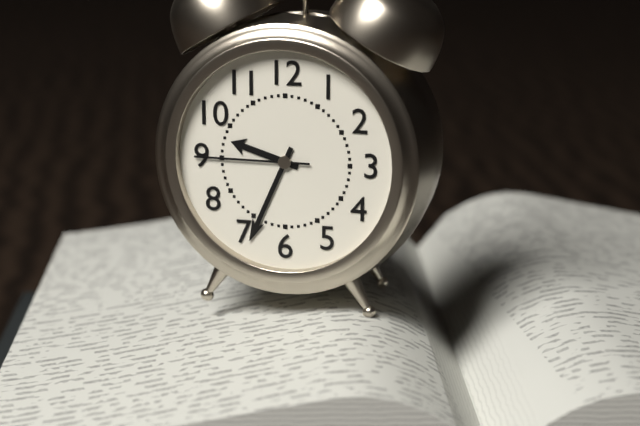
**9:34:45**
